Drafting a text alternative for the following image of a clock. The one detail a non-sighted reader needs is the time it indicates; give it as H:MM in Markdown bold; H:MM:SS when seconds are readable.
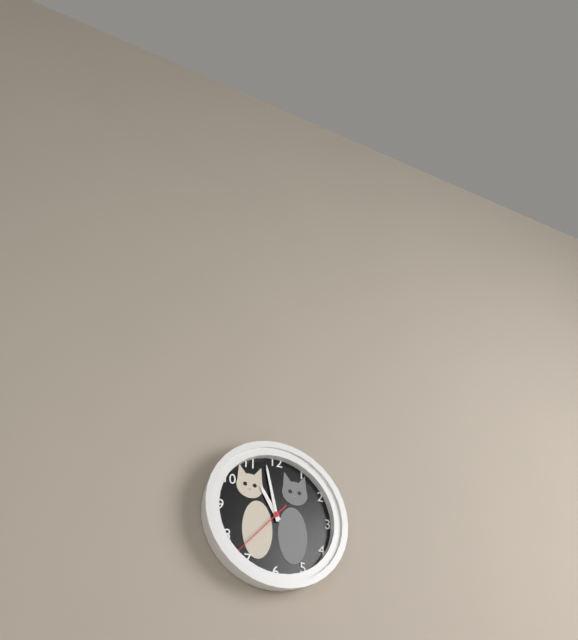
**10:58:37**
